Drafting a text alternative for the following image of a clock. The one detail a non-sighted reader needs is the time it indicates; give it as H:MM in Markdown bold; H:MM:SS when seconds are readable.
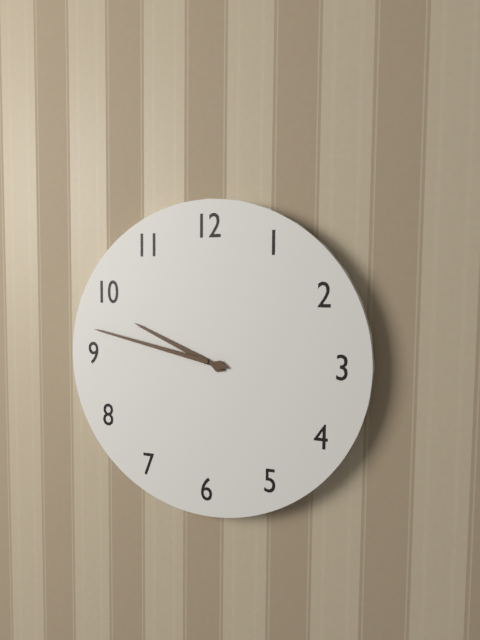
**9:47**
